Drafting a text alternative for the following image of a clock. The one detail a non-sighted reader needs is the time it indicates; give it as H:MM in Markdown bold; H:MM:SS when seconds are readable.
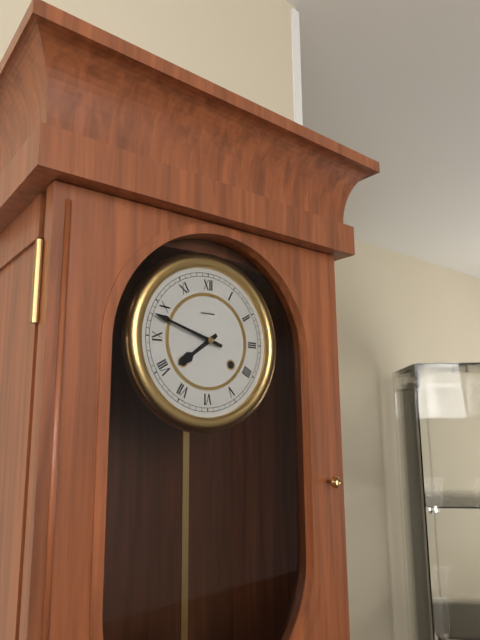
**7:48**
